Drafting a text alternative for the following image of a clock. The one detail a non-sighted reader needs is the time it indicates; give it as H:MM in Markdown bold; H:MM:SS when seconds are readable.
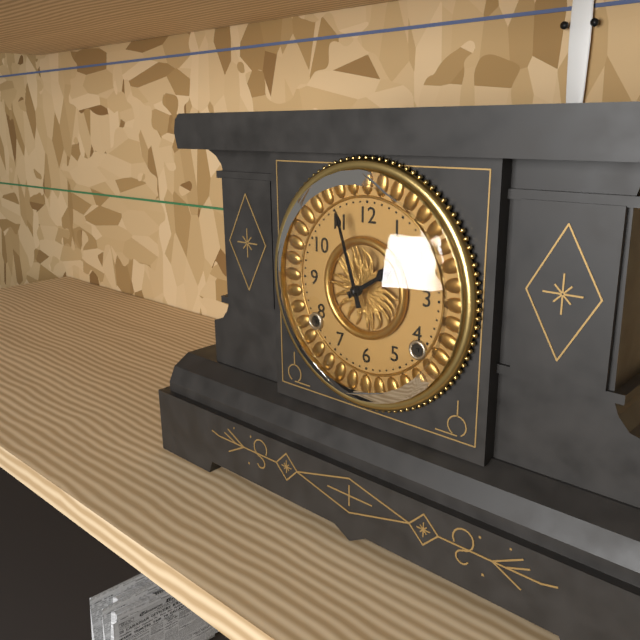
**1:57**
